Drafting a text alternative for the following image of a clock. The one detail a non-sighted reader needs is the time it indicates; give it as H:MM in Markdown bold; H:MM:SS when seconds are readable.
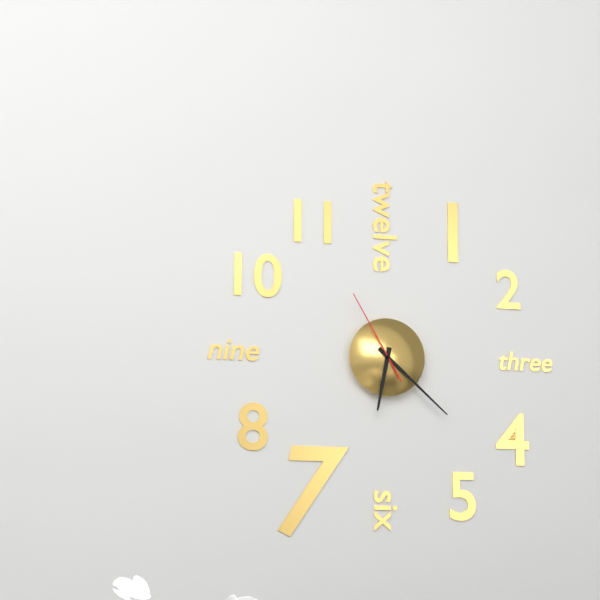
**6:22:55**
